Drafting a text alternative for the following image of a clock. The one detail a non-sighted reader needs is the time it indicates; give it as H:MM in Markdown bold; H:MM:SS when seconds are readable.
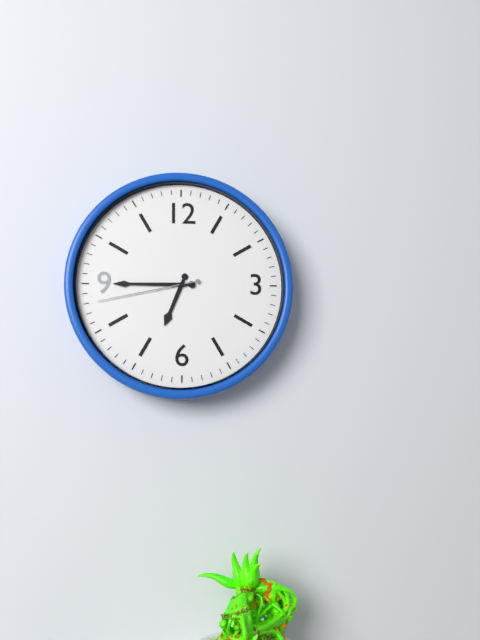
**6:45:43**
